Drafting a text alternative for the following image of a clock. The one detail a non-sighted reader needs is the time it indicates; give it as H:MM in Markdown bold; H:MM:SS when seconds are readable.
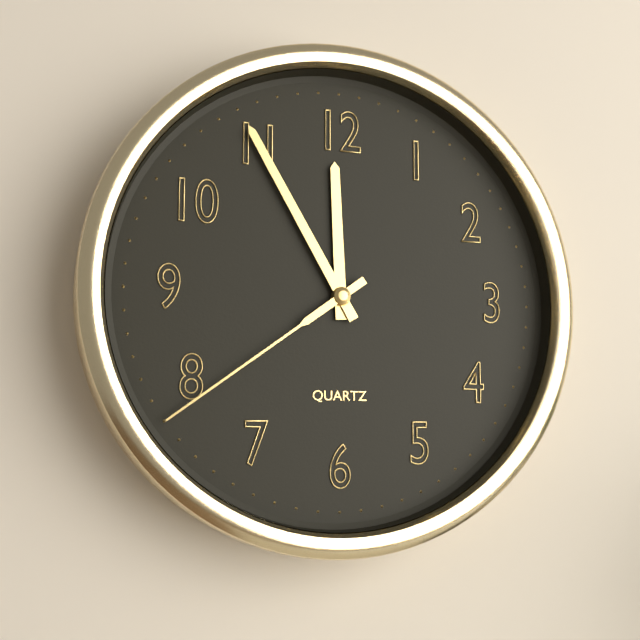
**11:55:39**
